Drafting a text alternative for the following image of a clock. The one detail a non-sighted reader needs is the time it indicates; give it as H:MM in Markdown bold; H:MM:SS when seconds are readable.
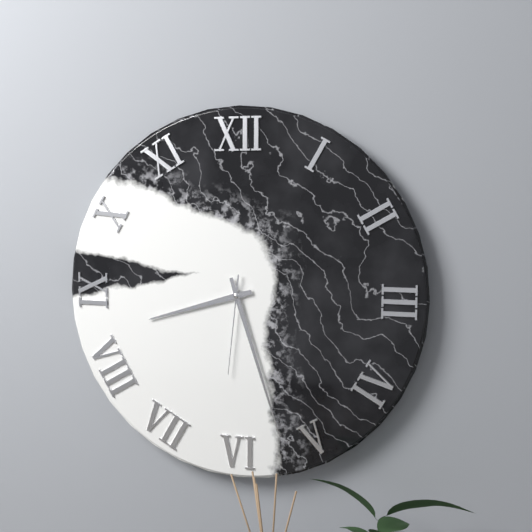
**8:27:31**
